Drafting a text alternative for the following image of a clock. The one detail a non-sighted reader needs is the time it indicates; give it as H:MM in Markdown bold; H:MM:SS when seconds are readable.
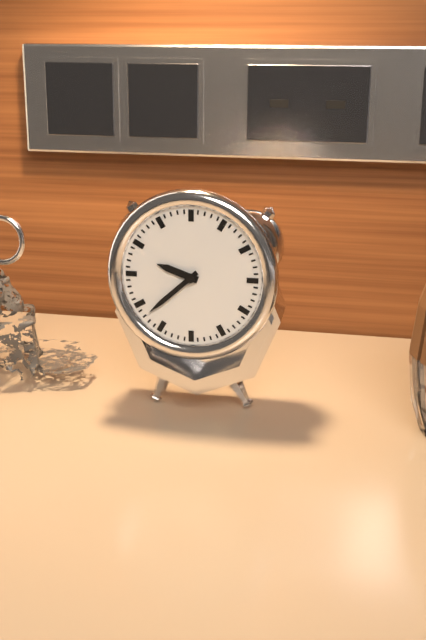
**9:38**
